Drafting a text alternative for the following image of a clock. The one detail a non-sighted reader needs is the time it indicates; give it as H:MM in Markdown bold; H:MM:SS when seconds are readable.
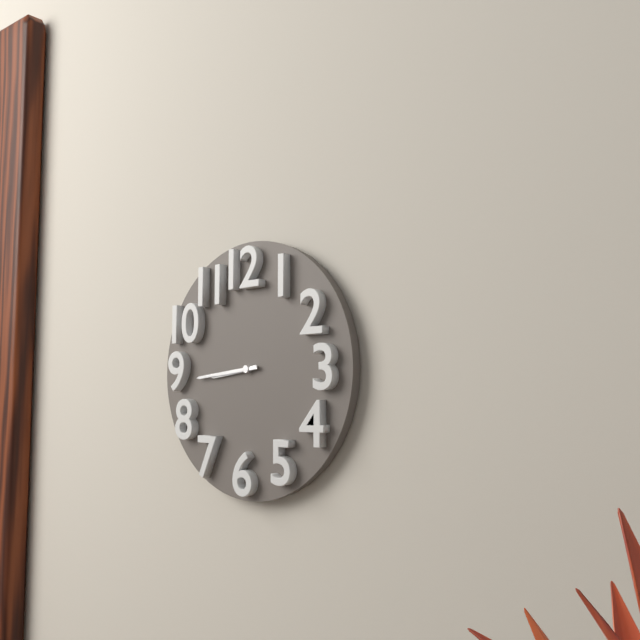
**8:44**
